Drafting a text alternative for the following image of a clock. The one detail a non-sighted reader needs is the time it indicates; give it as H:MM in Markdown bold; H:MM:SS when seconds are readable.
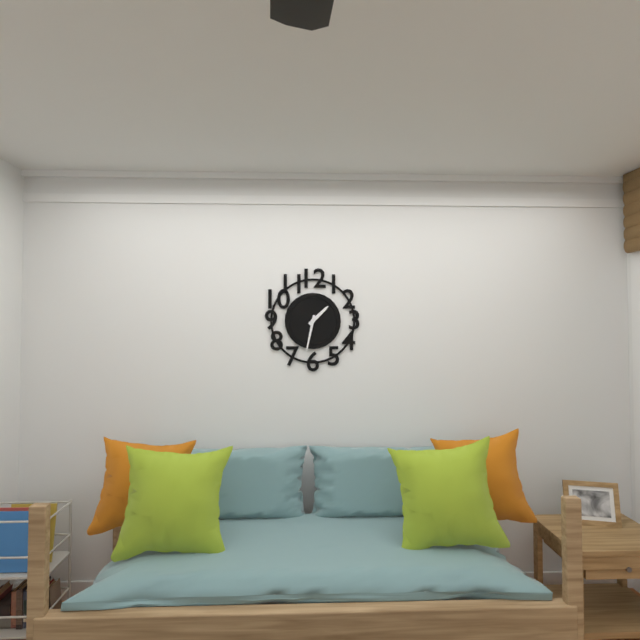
**1:32**
